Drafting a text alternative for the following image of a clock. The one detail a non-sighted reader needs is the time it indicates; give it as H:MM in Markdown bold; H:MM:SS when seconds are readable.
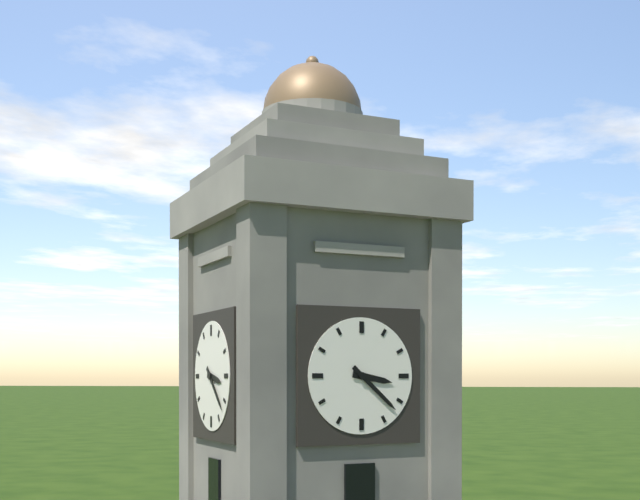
**3:22**
